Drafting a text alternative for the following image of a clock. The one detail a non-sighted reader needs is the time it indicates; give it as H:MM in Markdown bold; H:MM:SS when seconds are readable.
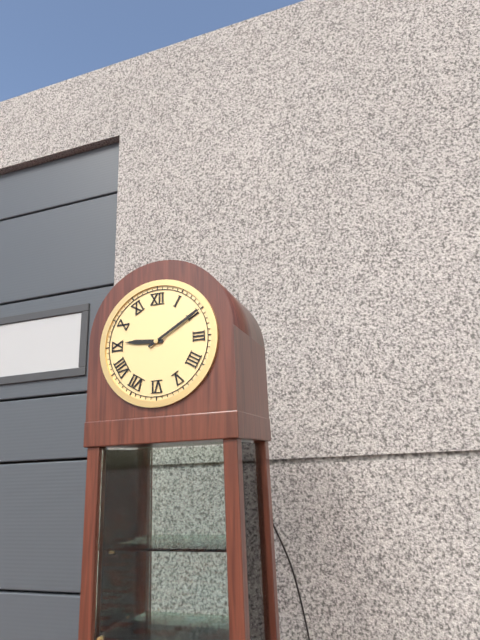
**9:10**
